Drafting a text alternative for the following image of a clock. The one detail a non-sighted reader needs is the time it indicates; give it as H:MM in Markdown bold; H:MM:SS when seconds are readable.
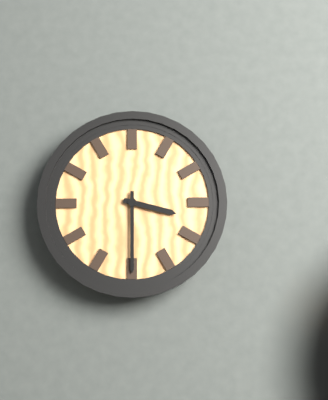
**3:30**
